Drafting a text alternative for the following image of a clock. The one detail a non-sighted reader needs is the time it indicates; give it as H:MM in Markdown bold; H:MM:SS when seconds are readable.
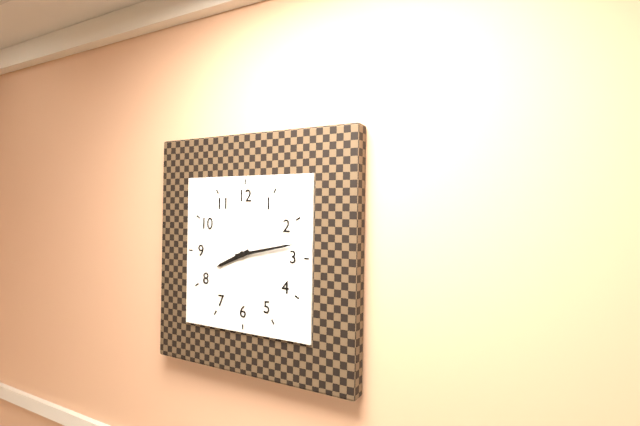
**8:13**
